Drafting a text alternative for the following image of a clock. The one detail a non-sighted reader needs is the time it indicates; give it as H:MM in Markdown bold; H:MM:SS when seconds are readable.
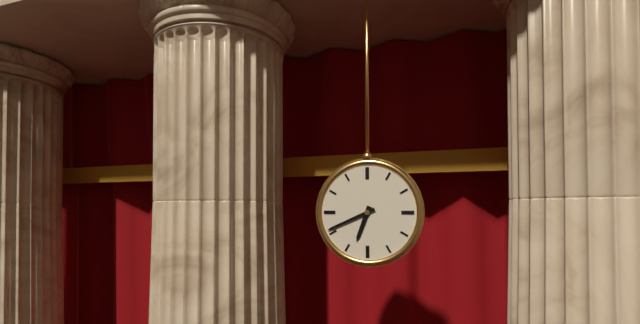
**6:41**
